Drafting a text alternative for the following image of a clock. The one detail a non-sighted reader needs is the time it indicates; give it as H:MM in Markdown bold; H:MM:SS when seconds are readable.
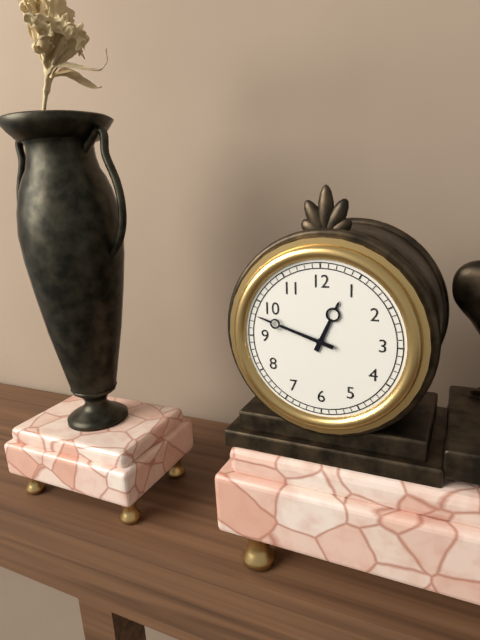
**12:48**
